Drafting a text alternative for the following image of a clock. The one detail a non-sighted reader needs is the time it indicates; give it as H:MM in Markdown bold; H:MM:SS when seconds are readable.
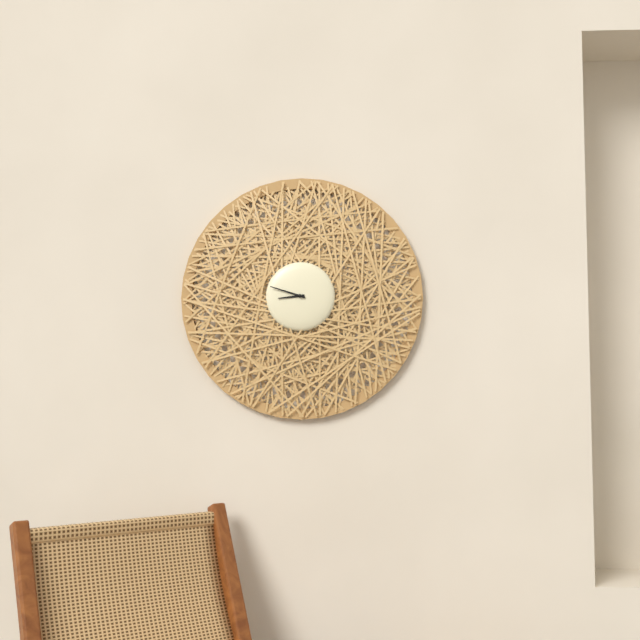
**8:48**
